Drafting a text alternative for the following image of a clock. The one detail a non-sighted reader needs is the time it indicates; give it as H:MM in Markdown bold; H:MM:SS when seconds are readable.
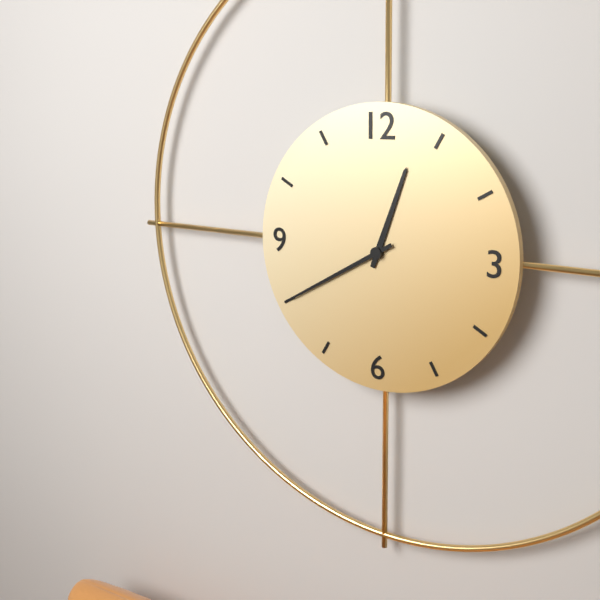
**12:40**
